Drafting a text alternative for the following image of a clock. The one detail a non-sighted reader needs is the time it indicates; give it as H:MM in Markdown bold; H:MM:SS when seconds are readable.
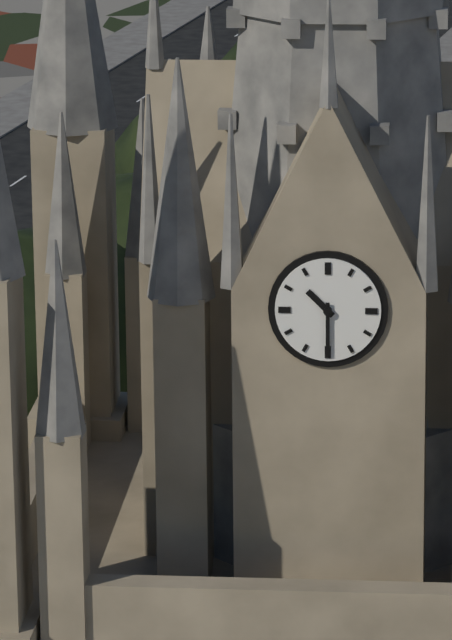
**10:30**
